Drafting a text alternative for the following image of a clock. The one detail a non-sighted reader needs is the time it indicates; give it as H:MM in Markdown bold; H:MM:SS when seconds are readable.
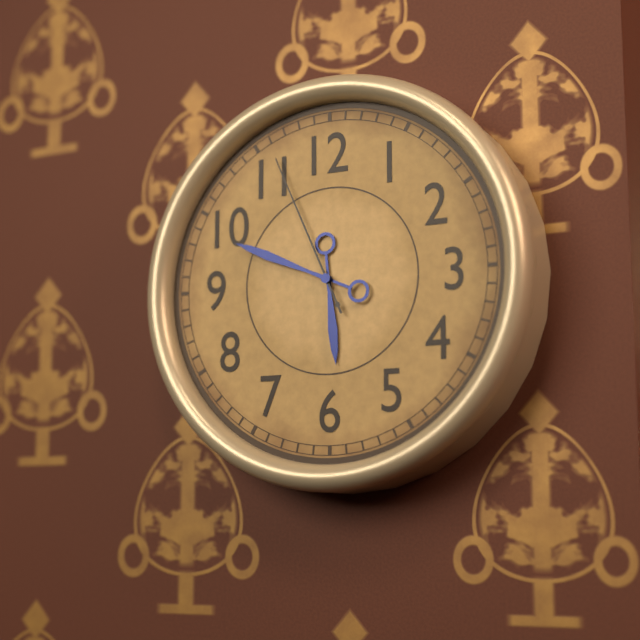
**5:49:56**
